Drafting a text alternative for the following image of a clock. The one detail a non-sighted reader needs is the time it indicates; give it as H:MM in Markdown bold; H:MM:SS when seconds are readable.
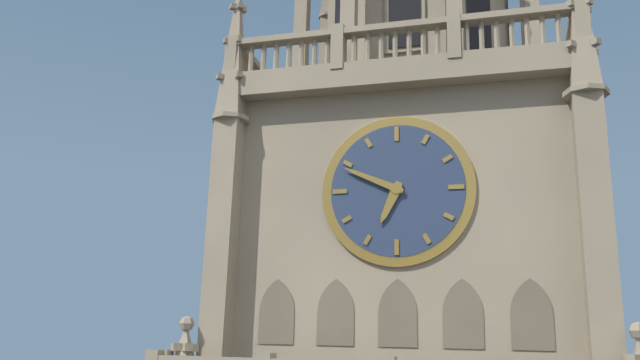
**6:49**
